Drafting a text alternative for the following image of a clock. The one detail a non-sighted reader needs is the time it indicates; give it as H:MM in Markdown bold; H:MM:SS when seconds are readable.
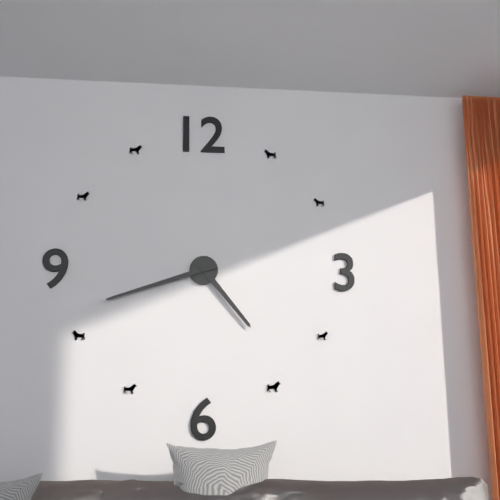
**4:42**
